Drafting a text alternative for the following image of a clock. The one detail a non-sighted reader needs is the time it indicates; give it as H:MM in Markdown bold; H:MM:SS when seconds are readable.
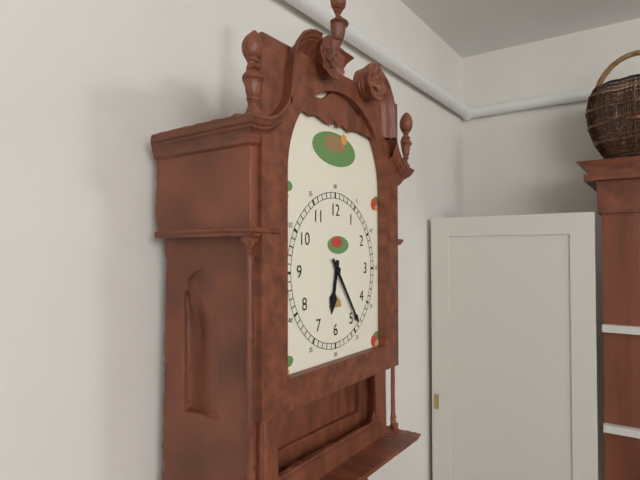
**6:24**
